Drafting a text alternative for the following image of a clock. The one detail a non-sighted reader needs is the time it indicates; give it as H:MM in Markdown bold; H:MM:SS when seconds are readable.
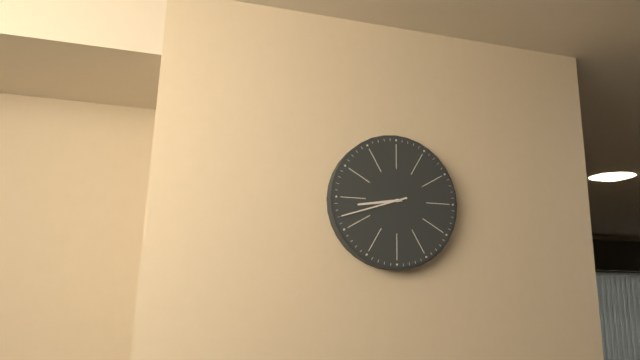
**8:42**
